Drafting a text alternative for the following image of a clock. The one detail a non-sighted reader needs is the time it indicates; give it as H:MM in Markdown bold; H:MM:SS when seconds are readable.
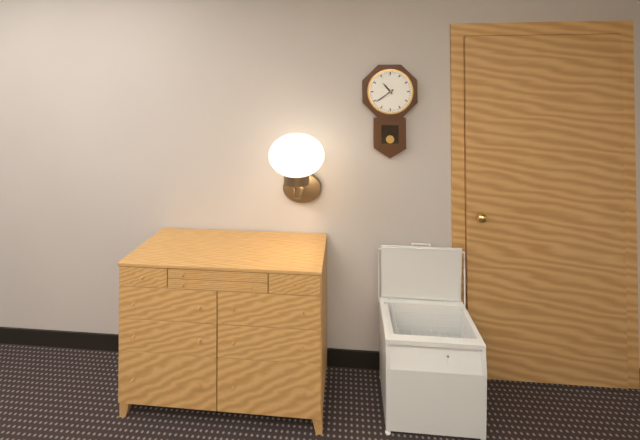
**10:39**
